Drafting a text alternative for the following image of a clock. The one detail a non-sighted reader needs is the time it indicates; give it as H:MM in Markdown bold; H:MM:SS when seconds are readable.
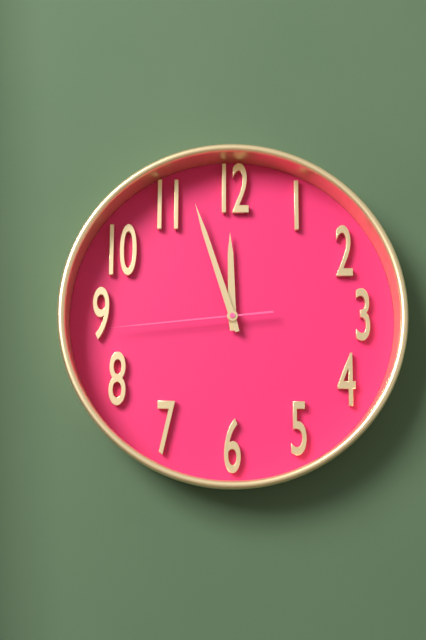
**11:57:44**
